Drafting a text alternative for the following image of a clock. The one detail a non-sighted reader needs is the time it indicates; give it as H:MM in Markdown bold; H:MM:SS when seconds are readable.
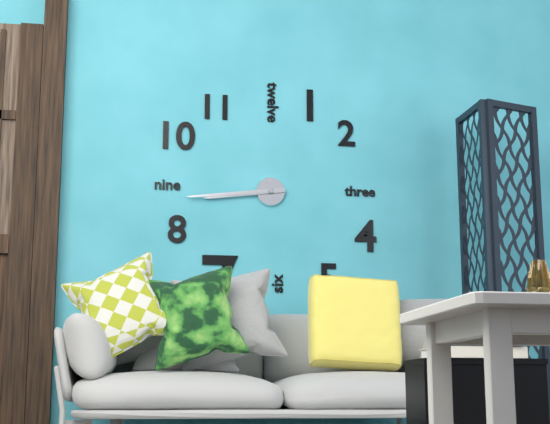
**8:44**
